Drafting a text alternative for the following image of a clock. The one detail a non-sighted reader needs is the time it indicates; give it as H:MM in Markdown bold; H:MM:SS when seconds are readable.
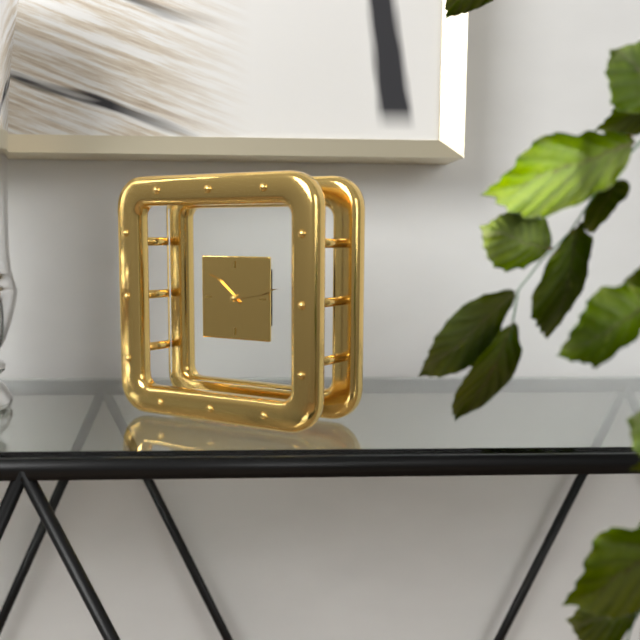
**10:13**
